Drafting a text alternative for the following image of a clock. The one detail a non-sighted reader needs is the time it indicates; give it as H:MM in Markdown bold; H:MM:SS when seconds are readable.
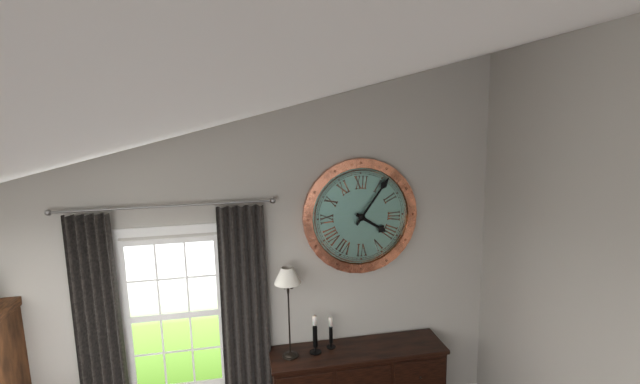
**4:06**
